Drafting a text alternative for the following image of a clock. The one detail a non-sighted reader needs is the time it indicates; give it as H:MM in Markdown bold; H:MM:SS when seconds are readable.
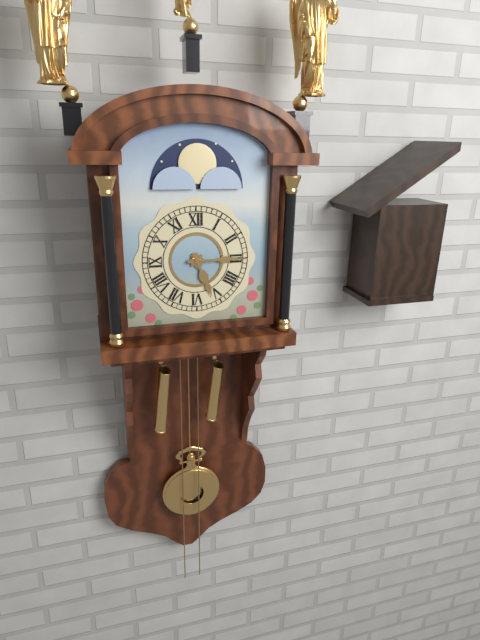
**5:15**
